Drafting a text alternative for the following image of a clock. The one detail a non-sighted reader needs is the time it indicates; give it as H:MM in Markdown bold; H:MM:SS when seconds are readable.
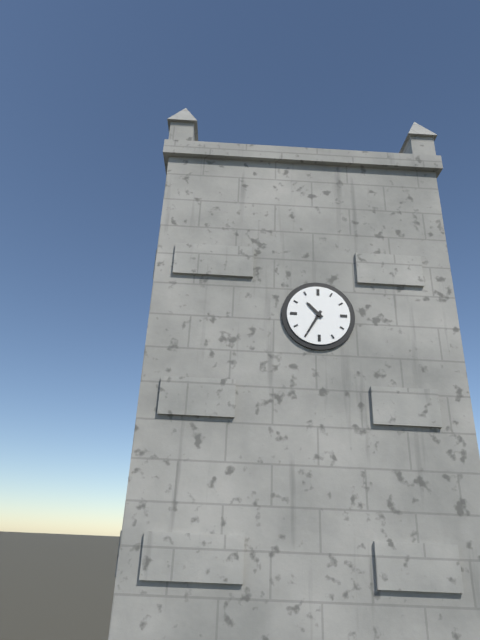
**10:35**
